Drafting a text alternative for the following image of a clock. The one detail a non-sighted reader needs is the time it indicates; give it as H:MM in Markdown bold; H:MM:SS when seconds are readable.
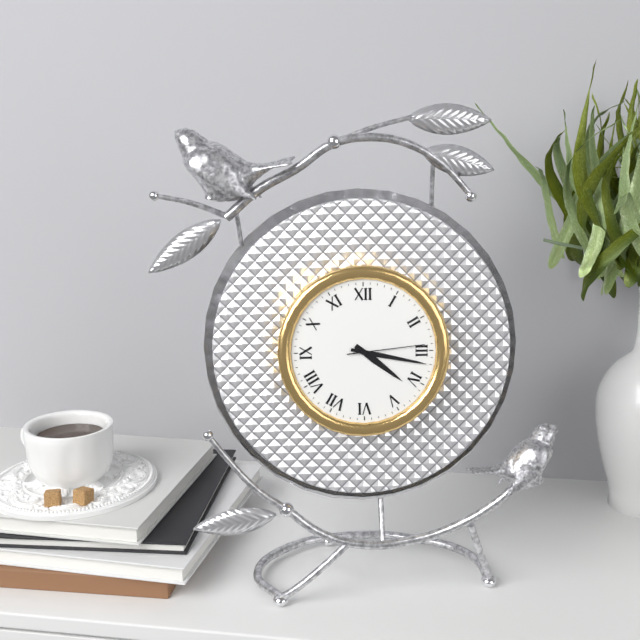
**4:17:14**
